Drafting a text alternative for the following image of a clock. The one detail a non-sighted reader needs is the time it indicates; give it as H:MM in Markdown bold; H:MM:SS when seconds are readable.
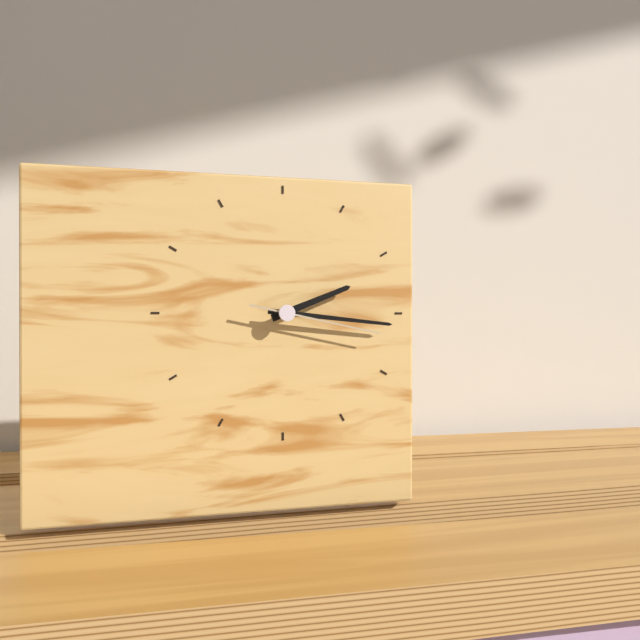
**2:16:17**
